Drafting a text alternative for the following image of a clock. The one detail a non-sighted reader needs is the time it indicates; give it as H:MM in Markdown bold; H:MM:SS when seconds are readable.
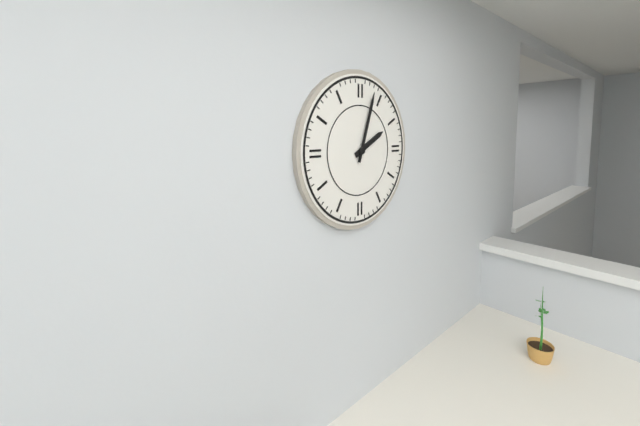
**2:03**
